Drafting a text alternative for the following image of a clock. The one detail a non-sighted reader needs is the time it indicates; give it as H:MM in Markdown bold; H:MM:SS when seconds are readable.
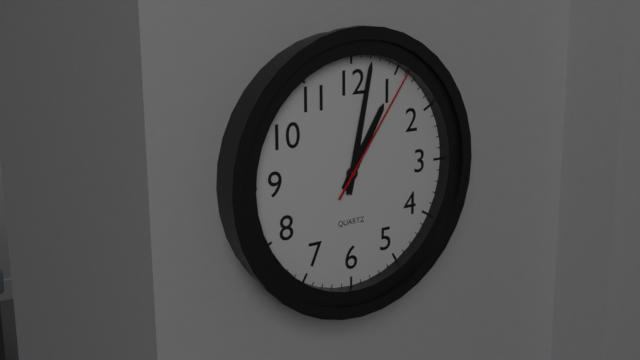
**1:02:06**
